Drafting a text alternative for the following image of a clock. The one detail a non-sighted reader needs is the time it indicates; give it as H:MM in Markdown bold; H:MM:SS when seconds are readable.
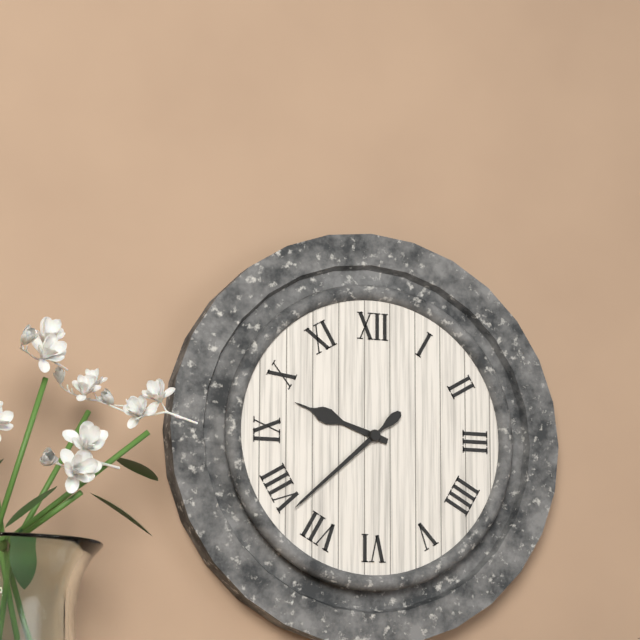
**9:38**
